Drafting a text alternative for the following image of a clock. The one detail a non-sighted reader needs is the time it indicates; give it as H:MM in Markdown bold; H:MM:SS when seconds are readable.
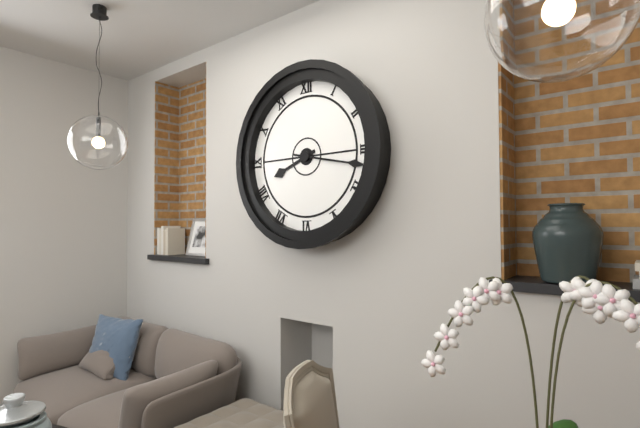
**8:17**
